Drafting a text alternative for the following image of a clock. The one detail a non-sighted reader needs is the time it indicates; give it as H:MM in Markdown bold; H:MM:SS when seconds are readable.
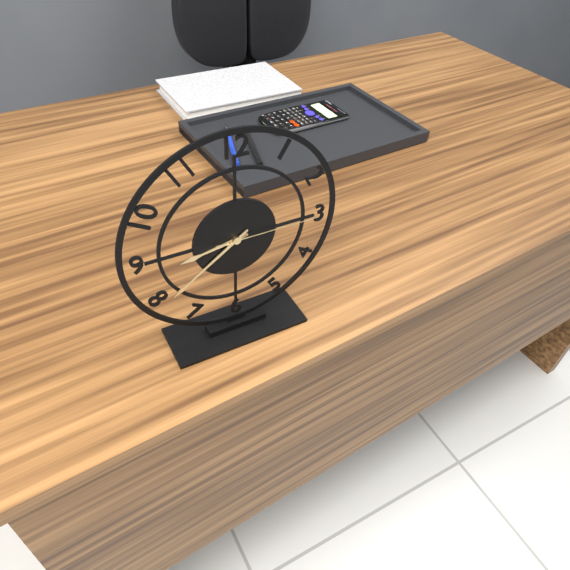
**8:39:15**
